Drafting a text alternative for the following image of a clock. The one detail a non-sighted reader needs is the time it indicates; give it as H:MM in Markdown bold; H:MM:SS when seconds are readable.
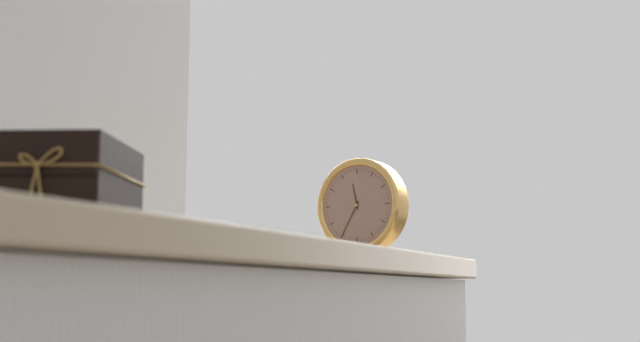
**11:35**
